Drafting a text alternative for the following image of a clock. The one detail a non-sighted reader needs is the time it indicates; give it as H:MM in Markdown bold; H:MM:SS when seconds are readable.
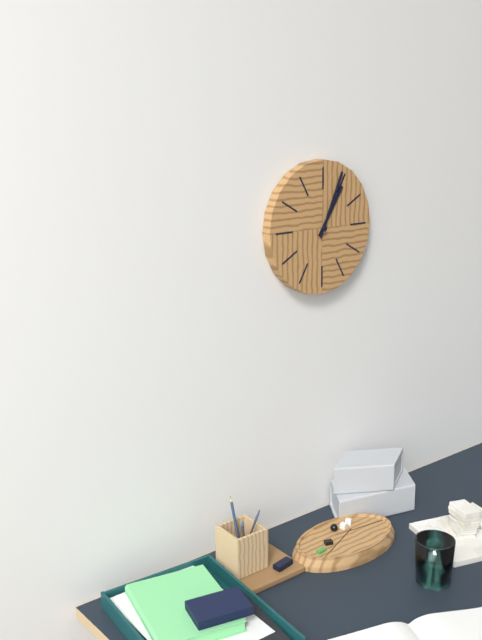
**1:04**
